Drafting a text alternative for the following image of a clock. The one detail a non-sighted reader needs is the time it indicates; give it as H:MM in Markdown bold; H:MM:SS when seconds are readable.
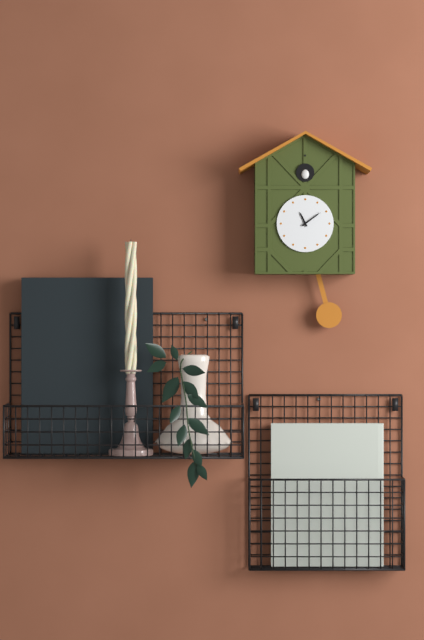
**11:09**
